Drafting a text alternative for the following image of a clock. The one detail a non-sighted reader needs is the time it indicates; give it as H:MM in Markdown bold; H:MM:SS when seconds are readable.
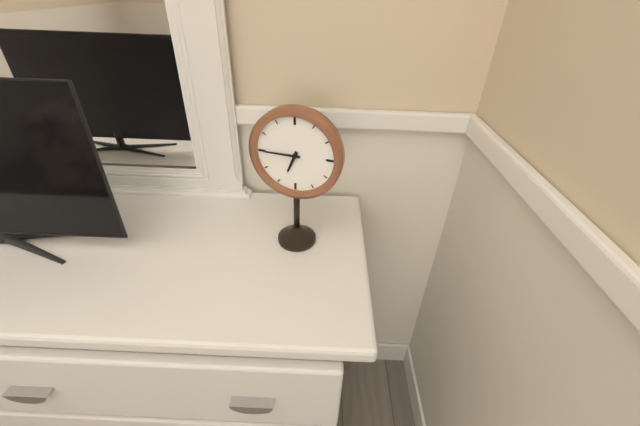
**6:45**
